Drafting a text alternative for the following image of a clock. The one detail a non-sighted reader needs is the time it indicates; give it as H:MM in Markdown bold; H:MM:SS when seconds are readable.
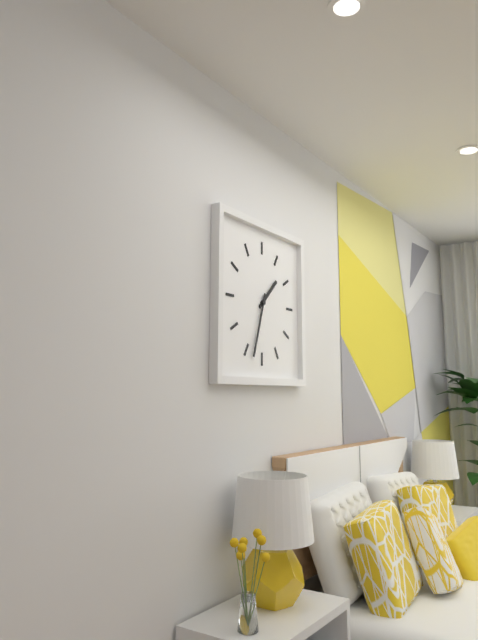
**1:33**
